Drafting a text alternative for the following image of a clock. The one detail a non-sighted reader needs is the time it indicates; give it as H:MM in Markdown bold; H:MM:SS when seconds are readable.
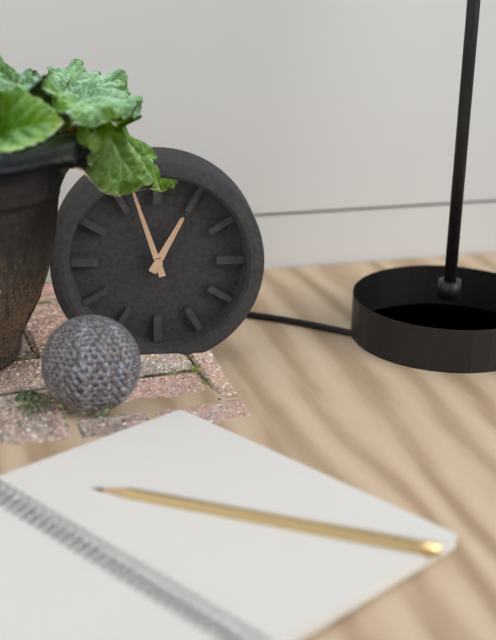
**12:57**
